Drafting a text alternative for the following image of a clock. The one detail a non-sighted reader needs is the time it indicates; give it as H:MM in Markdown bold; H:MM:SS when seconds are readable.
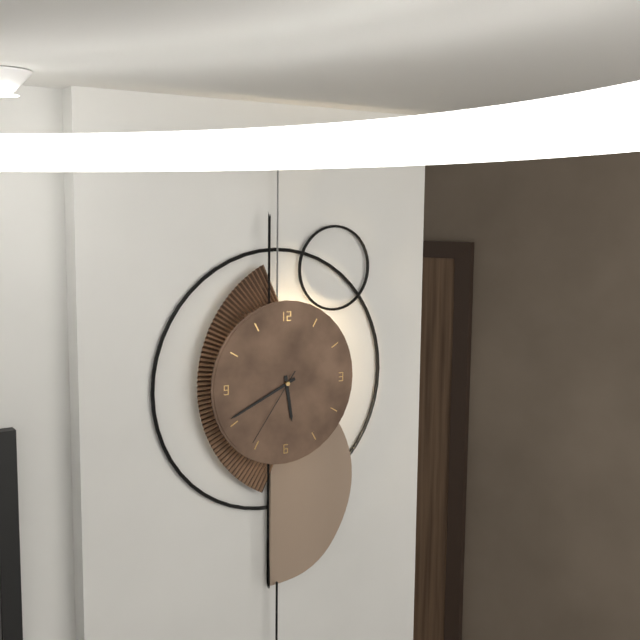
**5:41:36**
